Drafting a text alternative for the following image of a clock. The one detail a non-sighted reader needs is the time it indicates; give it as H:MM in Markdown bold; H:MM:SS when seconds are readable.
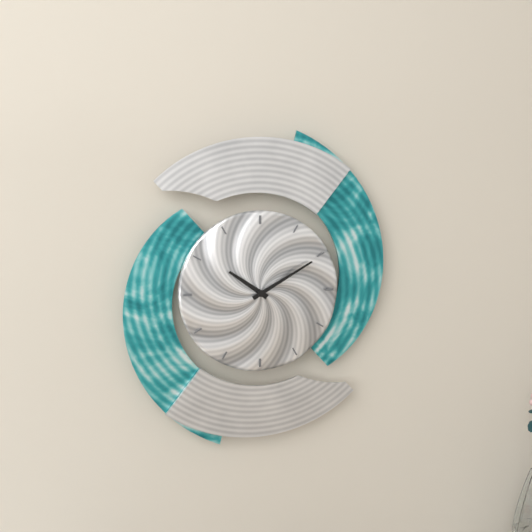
**10:10**
